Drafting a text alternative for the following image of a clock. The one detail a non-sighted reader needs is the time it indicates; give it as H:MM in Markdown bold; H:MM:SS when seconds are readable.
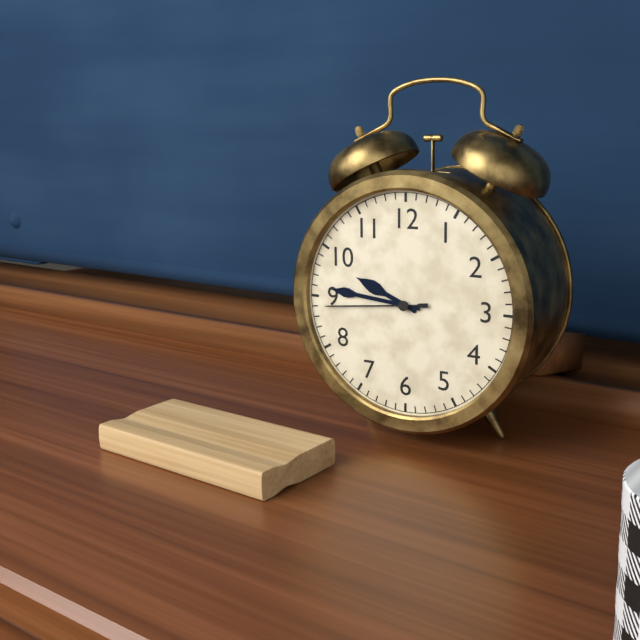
**9:46:44**
